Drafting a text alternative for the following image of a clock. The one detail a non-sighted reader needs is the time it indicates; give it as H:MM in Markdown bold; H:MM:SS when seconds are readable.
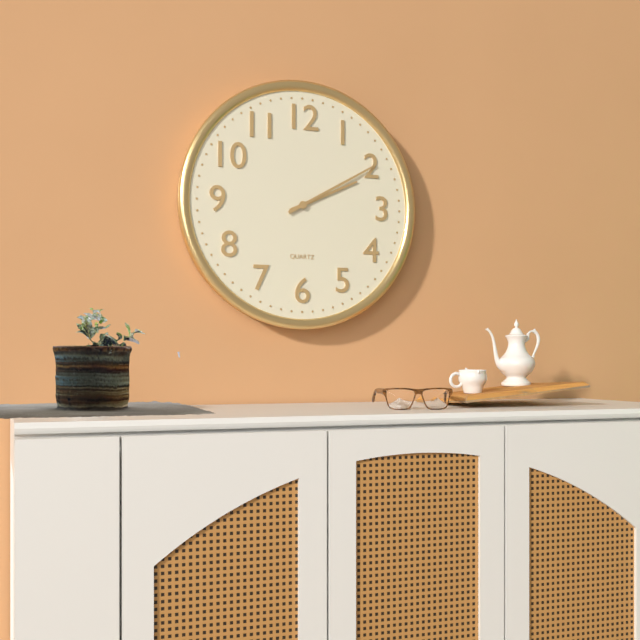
**2:10**
